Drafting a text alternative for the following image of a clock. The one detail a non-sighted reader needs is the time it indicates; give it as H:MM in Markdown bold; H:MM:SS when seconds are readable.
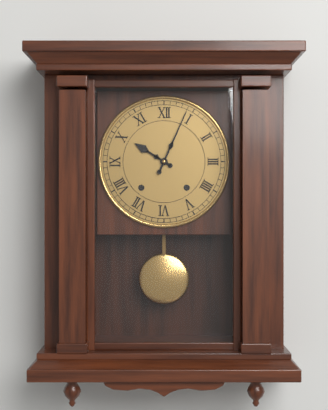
**10:04**
